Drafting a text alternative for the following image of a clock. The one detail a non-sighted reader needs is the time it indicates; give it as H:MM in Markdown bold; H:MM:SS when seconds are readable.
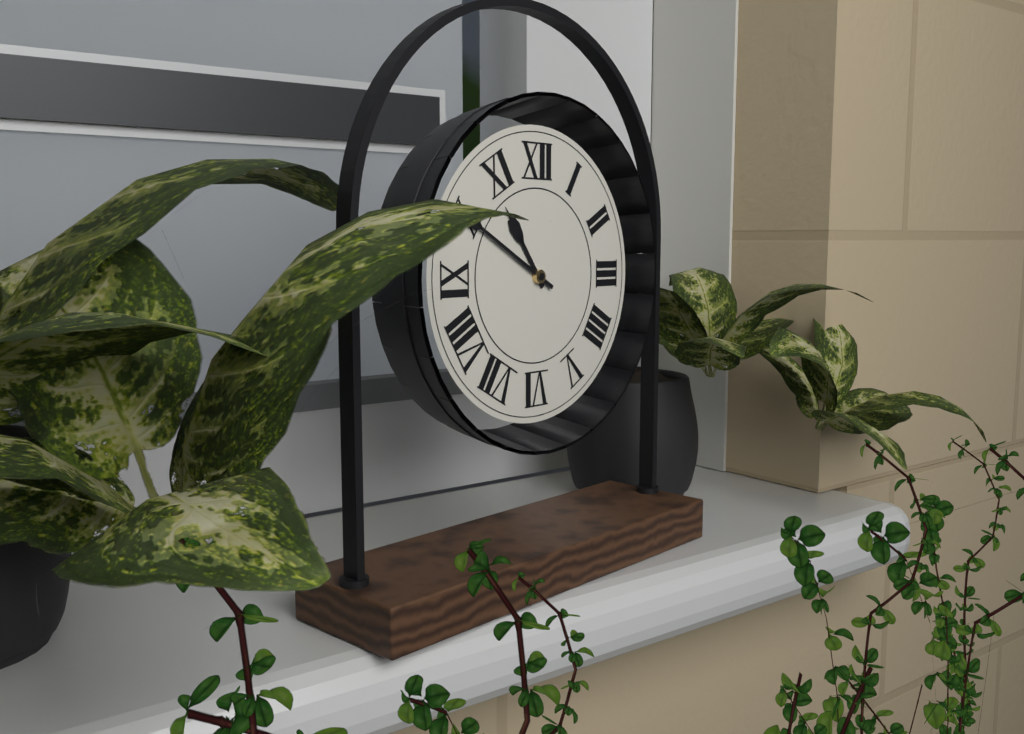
**10:50**
